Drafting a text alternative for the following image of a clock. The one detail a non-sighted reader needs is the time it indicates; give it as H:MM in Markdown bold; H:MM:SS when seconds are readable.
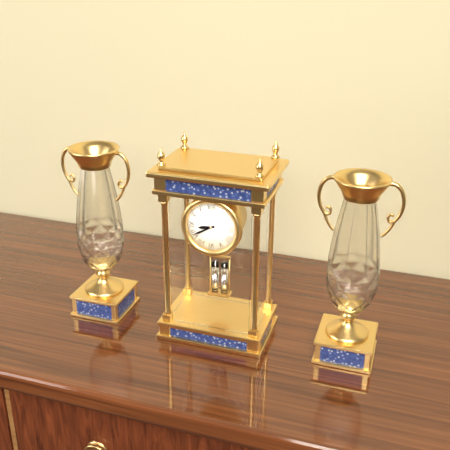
**8:40**
